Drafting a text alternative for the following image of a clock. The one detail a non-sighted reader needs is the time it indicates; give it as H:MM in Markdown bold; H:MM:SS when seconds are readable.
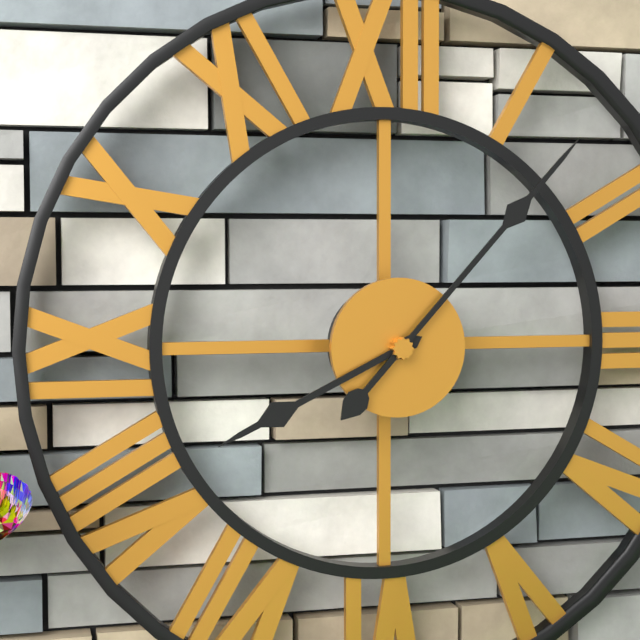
**8:07**
